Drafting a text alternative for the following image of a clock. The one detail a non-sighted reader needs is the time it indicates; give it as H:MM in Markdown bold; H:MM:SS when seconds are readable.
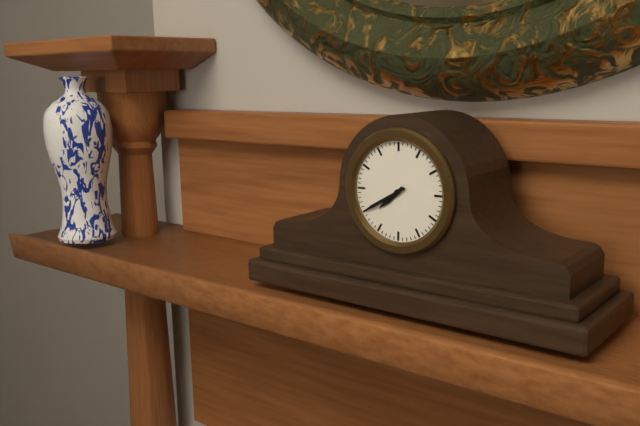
**7:40**
